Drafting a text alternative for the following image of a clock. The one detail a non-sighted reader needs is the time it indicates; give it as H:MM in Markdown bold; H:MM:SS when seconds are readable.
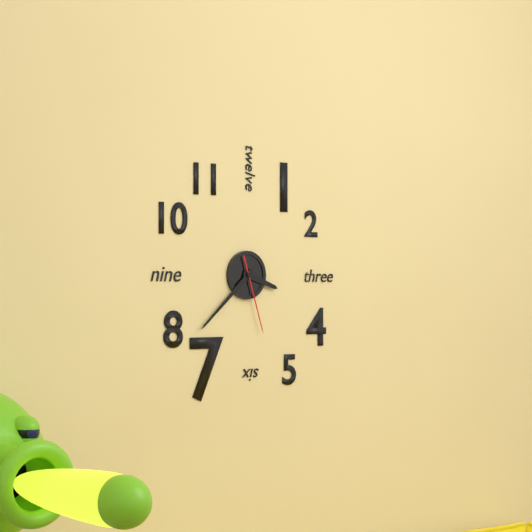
**3:38:27**
